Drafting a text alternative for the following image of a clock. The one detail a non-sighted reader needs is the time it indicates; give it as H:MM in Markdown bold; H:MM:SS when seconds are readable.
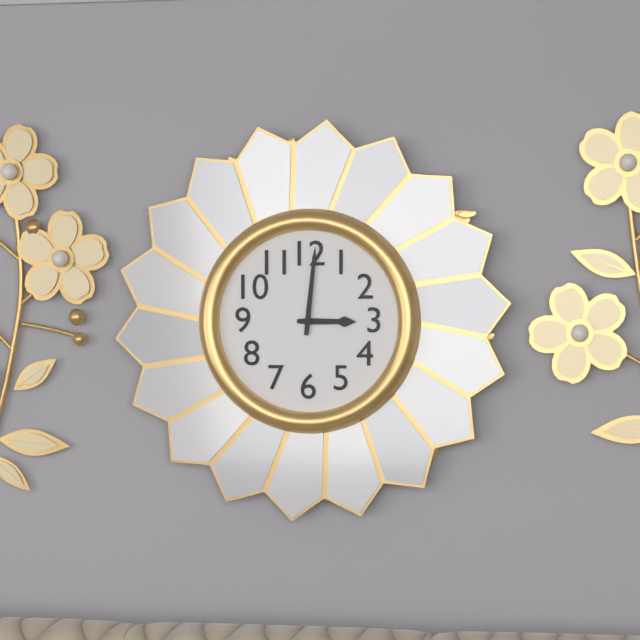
**3:01**
